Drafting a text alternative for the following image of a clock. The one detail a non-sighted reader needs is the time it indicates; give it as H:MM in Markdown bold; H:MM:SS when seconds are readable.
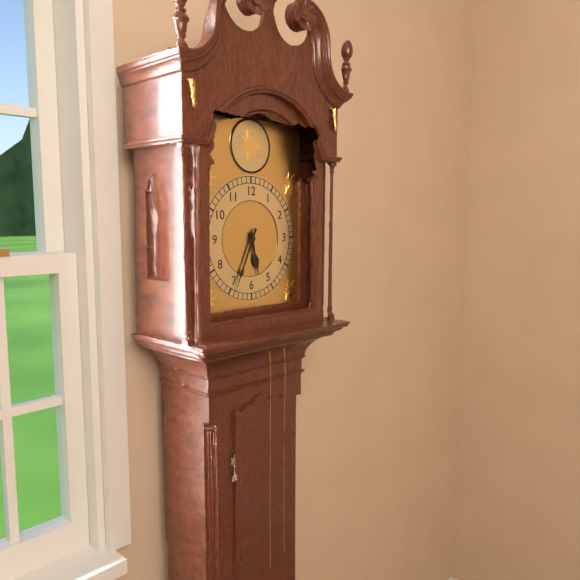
**5:34**
